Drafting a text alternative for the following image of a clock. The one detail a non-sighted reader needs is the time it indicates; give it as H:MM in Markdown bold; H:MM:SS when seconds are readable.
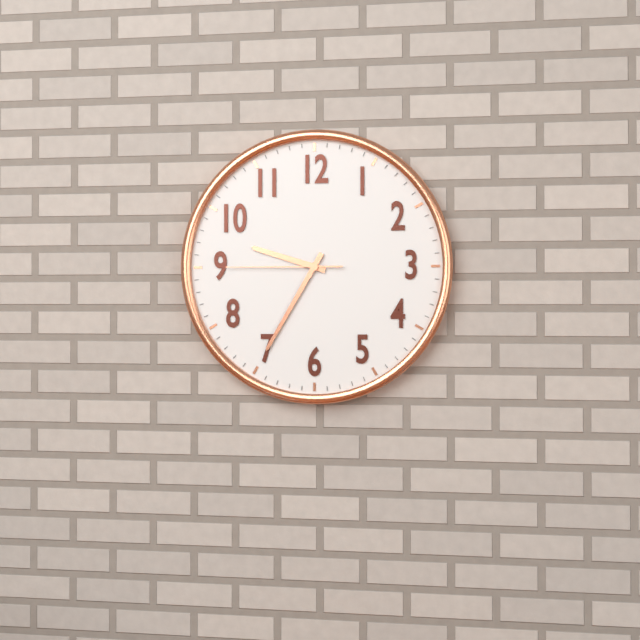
**9:35:45**
